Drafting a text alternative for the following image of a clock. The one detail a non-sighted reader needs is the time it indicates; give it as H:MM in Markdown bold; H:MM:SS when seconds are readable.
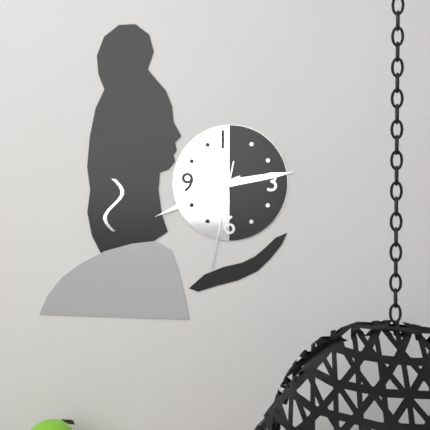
**2:41:32**
